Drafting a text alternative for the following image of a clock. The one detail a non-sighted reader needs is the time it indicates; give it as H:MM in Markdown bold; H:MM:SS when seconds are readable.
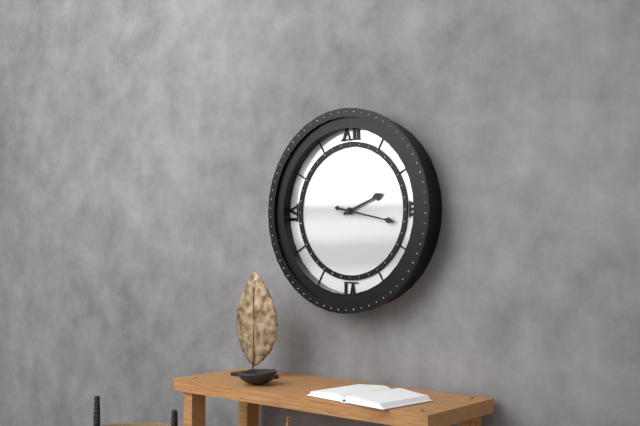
**2:17**
